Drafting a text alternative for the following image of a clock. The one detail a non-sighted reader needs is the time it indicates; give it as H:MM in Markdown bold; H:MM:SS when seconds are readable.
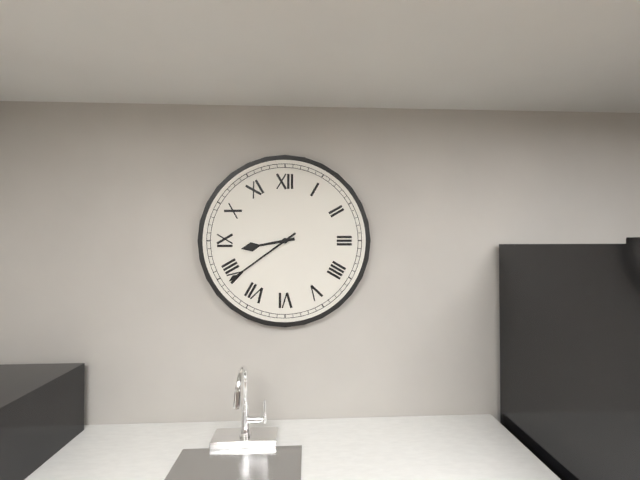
**8:39**
